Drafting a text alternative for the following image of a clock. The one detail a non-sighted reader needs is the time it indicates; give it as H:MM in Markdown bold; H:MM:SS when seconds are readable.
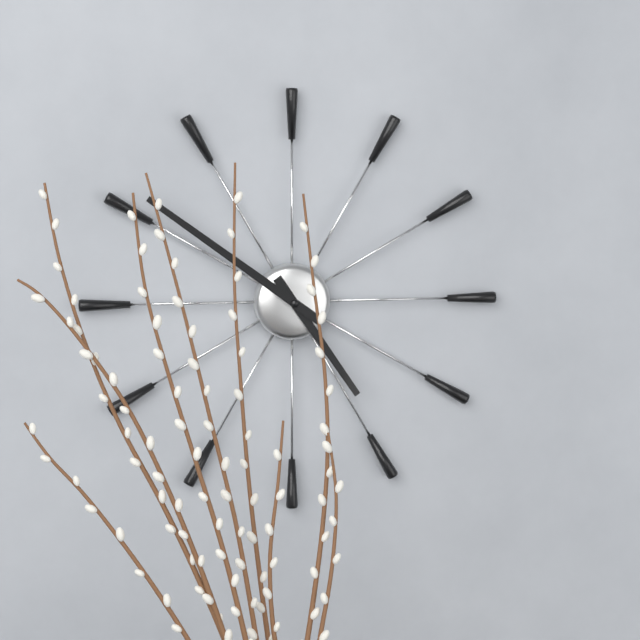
**4:51**
